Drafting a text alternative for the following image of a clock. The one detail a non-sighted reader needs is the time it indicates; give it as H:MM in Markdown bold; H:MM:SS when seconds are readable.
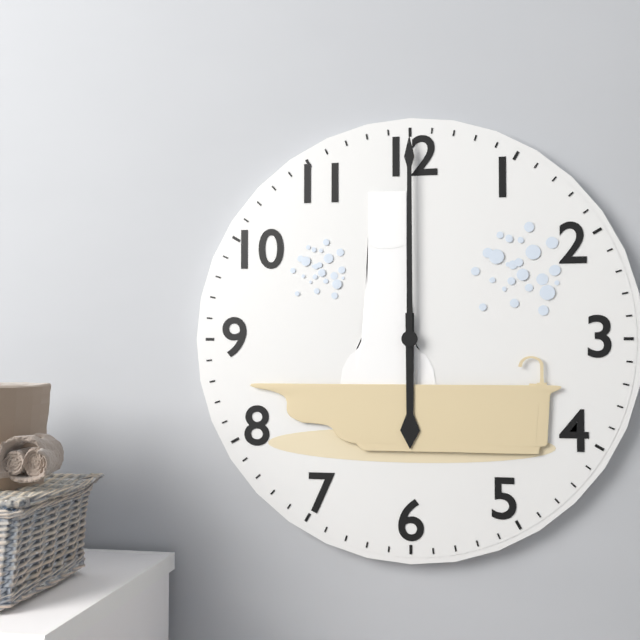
**6:00**
